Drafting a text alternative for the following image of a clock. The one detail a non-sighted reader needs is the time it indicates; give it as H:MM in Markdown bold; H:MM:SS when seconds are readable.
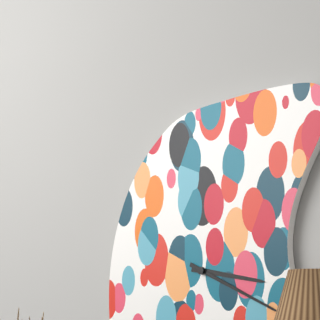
**3:19**
